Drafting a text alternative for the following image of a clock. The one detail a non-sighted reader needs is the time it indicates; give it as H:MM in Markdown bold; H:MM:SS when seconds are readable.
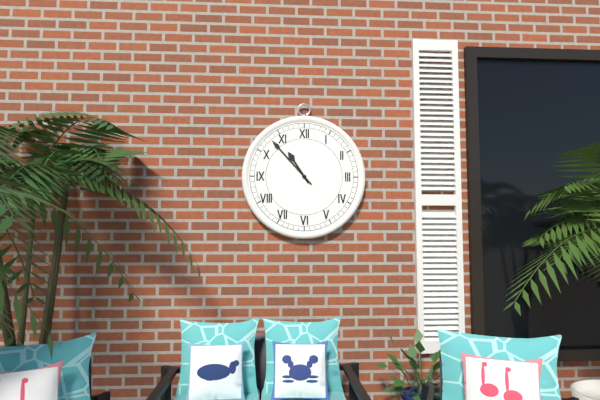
**10:53**
